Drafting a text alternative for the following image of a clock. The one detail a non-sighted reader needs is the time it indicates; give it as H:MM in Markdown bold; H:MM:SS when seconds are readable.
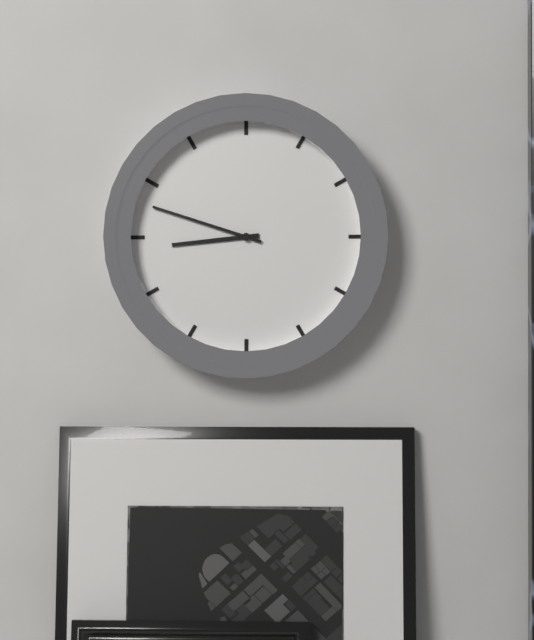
**8:48**
